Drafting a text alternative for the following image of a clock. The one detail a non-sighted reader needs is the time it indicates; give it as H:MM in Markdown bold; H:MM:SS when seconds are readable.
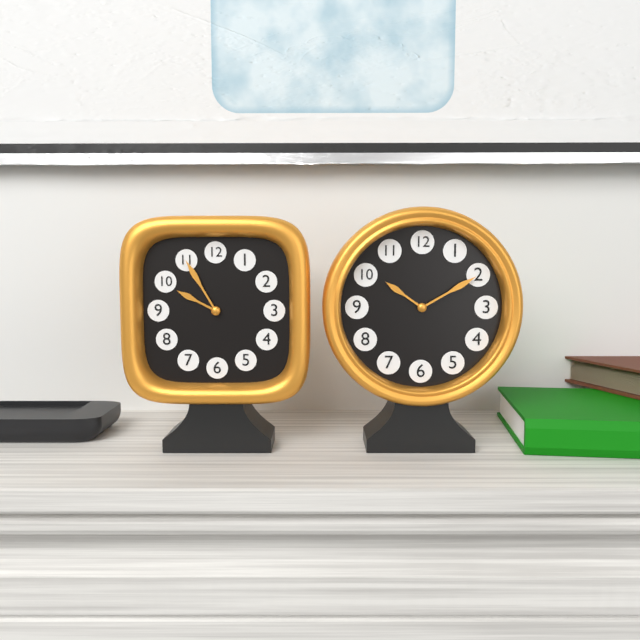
**9:55**
